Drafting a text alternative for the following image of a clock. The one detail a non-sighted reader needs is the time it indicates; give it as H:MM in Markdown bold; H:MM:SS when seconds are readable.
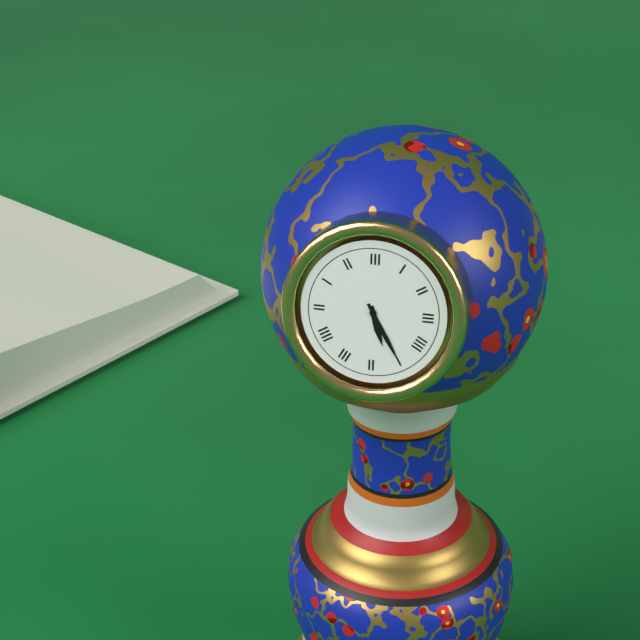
**5:25**
